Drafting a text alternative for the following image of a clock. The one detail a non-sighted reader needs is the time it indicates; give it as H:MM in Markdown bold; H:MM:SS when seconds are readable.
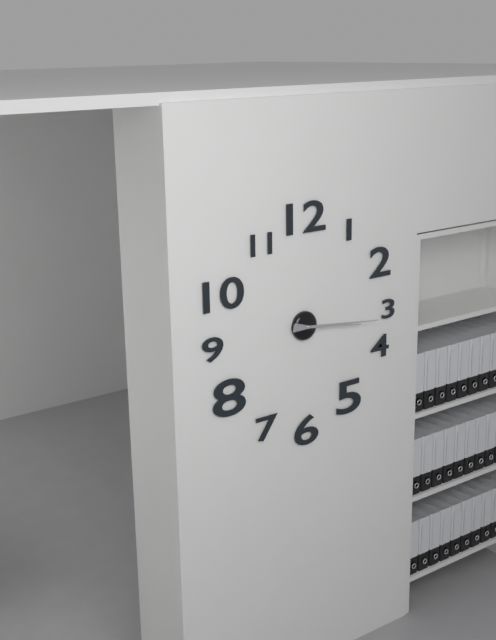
**3:16**
